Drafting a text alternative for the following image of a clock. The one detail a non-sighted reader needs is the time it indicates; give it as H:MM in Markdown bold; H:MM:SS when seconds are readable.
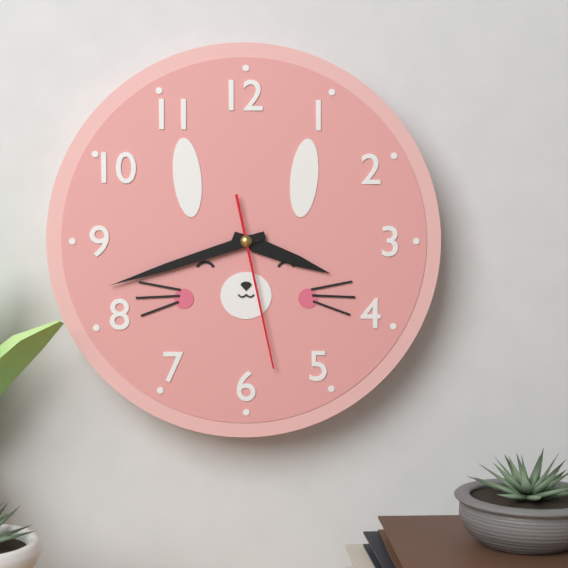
**3:42:28**
